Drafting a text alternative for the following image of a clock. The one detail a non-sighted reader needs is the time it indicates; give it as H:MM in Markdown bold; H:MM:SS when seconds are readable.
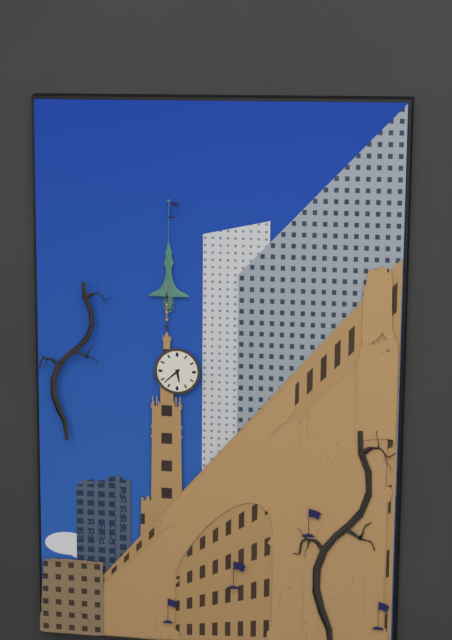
**5:38**
